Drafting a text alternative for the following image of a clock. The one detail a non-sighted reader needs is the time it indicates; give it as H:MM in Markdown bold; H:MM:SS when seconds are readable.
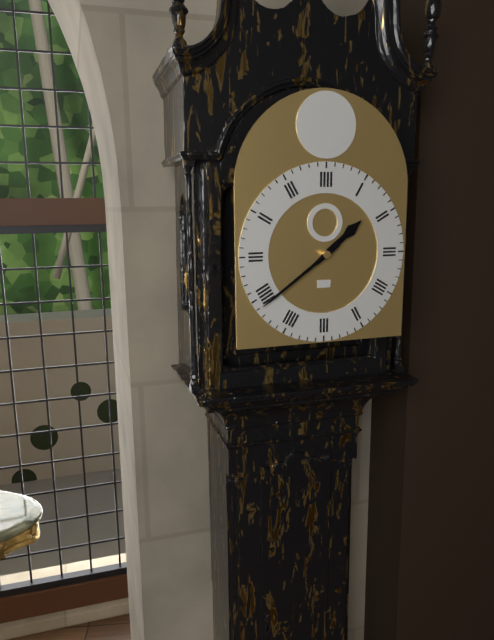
**1:39**
